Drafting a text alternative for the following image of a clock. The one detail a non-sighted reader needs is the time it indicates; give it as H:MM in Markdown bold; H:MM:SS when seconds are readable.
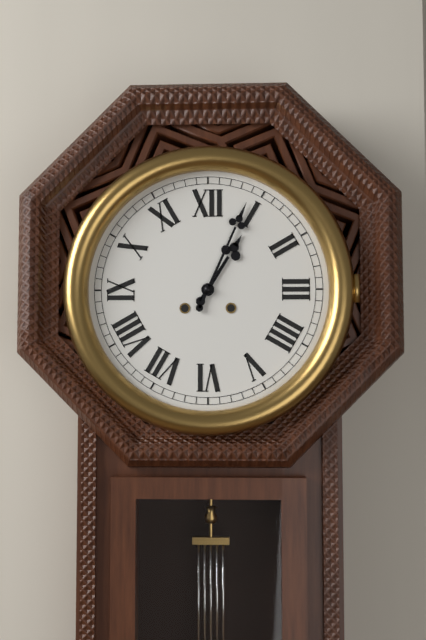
**1:04**
